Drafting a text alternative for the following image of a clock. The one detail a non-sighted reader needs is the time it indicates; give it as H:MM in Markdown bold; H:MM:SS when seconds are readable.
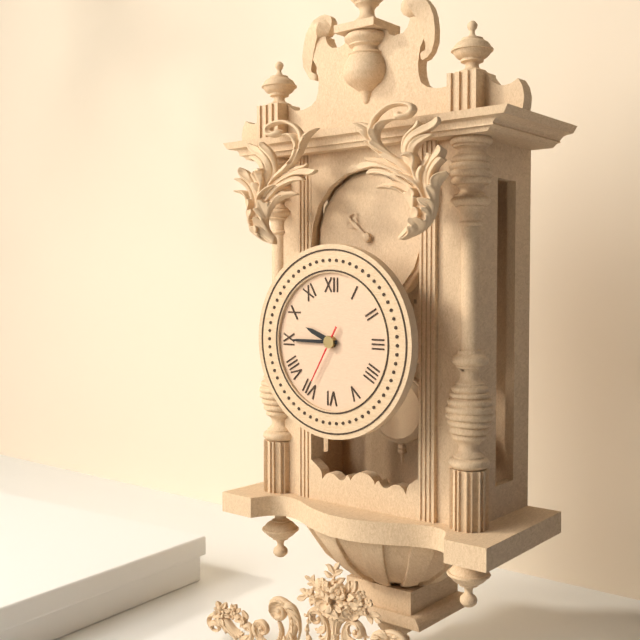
**9:45:35**
